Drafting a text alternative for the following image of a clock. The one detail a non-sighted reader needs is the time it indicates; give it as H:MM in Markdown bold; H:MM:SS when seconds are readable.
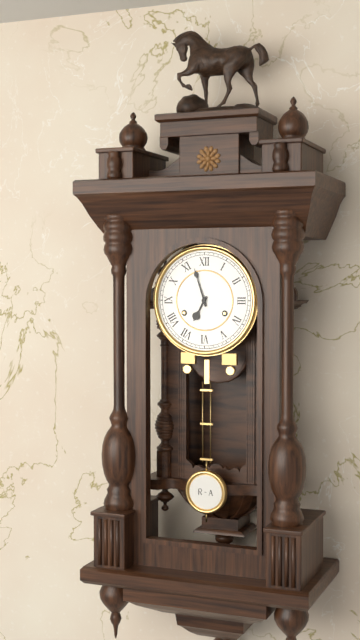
**6:57**
